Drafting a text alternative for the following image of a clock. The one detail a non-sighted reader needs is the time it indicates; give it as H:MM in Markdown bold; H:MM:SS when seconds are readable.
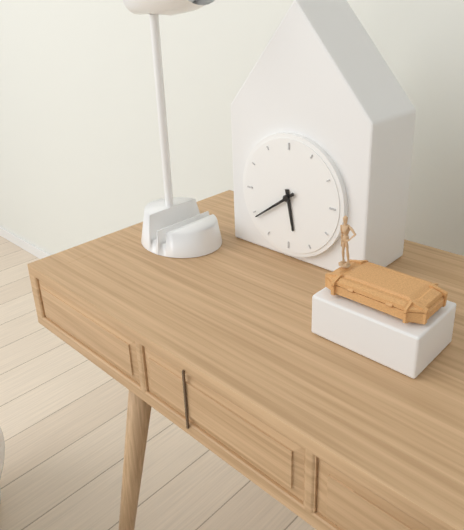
**5:39**
